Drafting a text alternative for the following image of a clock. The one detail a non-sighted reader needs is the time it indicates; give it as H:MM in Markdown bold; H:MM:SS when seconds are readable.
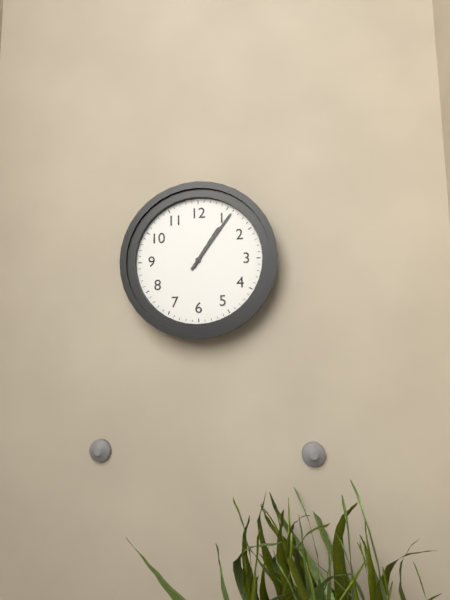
**1:06**
